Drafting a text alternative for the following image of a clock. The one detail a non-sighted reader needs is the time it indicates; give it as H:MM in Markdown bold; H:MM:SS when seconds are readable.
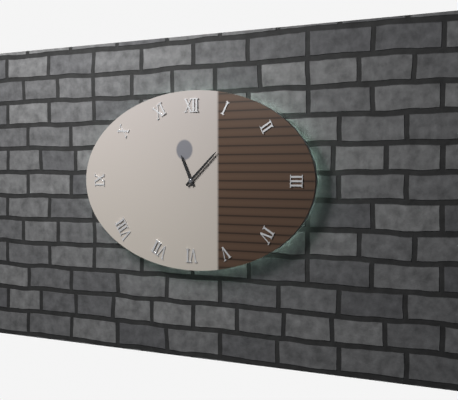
**11:08**
